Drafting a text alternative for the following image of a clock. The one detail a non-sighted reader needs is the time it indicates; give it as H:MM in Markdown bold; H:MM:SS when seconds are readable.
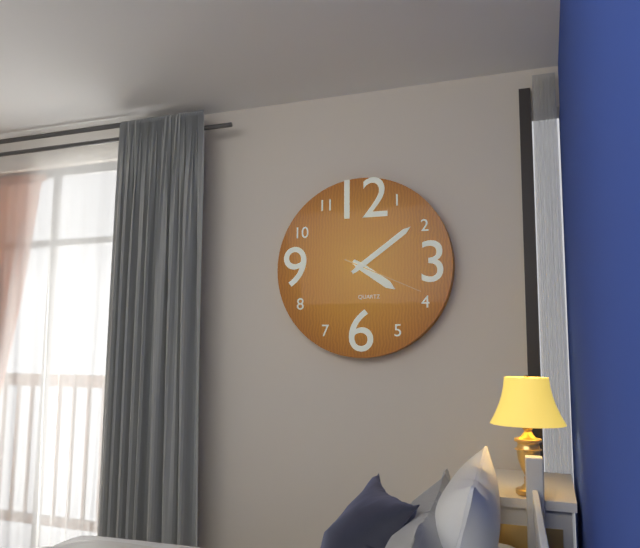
**4:09:19**
